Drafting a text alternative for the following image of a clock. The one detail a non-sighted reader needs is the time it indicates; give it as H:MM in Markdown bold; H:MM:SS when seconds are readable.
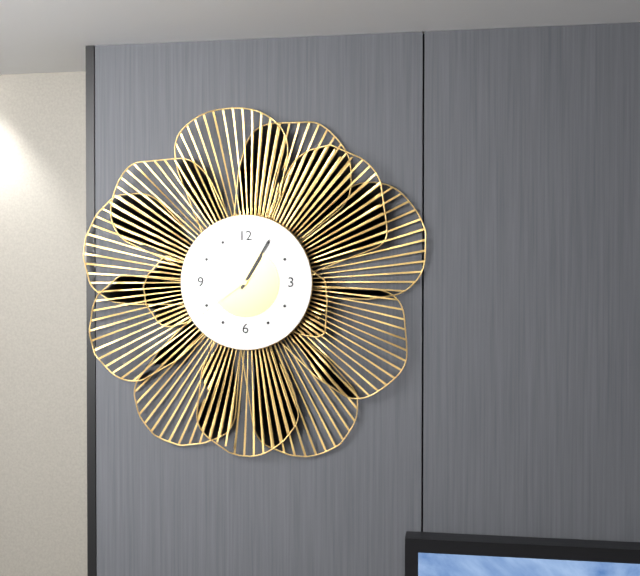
**1:05:39**
